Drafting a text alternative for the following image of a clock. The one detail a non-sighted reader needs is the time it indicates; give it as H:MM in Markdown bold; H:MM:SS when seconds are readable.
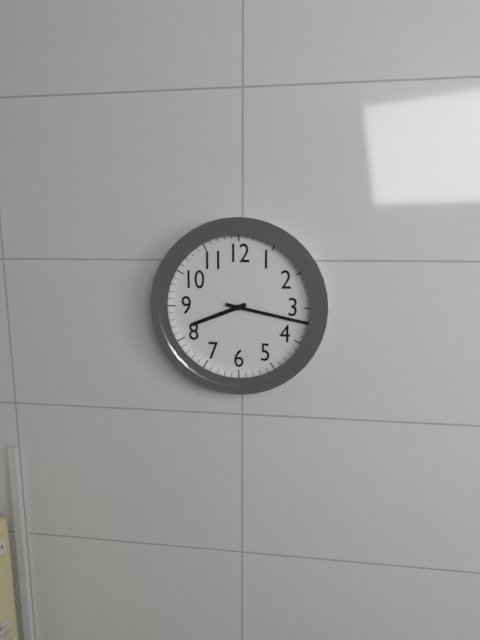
**8:17**
